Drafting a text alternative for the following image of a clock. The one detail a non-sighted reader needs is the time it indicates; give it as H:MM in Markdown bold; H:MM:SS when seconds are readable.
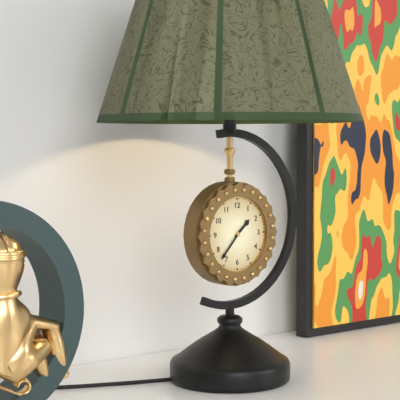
**1:37**
